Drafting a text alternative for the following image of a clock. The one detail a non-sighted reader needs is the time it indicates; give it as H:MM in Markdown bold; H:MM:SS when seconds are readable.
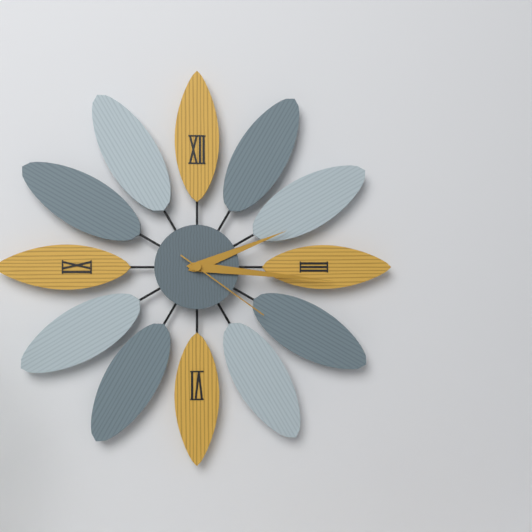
**2:16:21**
